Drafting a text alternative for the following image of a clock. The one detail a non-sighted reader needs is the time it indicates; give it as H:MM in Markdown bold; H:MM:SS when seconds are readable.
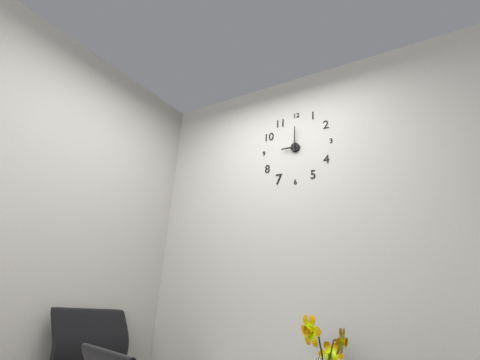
**9:00**
